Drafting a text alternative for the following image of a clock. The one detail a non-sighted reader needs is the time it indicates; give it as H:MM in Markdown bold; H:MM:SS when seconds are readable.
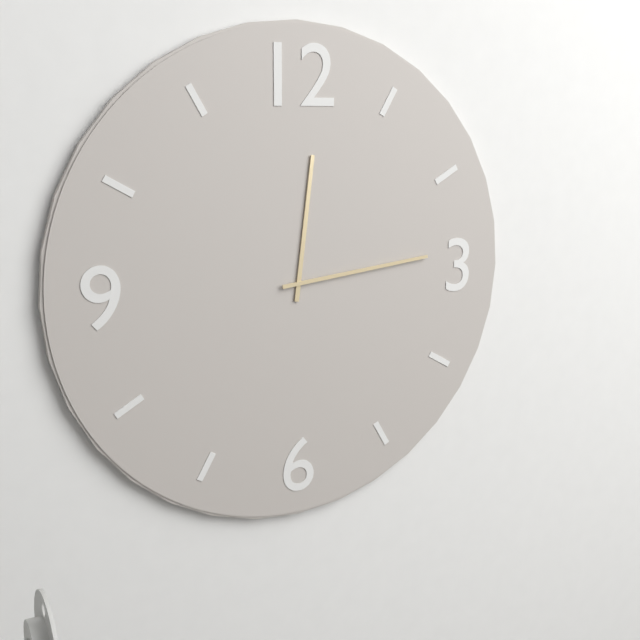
**12:14**
